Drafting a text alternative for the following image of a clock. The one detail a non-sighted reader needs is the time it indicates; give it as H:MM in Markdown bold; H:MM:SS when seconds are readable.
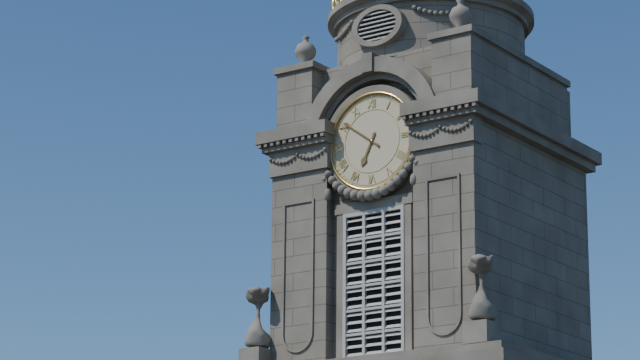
**6:51**
